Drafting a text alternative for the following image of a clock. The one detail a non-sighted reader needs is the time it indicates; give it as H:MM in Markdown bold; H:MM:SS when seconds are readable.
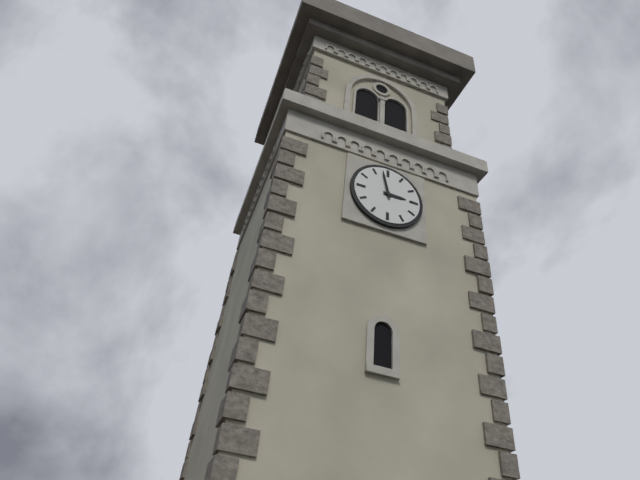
**2:58**
